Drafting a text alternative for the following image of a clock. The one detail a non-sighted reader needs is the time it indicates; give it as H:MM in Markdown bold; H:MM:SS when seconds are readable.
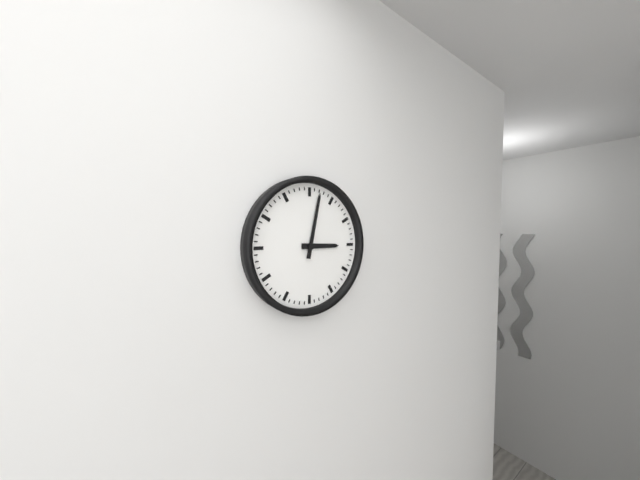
**3:02**
